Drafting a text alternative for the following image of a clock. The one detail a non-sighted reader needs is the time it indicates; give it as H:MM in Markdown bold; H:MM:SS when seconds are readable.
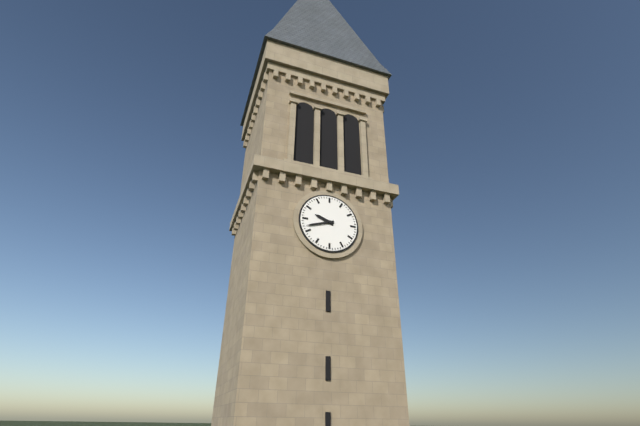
**9:42**
